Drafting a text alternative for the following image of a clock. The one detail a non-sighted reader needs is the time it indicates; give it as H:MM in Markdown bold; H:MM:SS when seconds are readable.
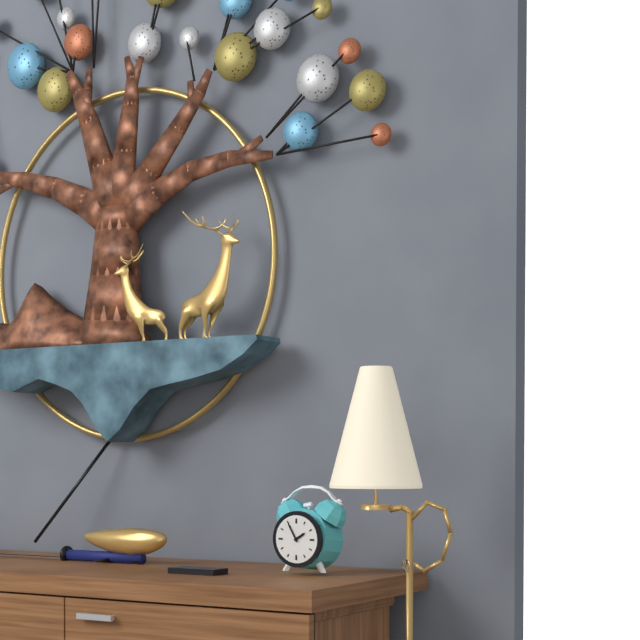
**1:55**
